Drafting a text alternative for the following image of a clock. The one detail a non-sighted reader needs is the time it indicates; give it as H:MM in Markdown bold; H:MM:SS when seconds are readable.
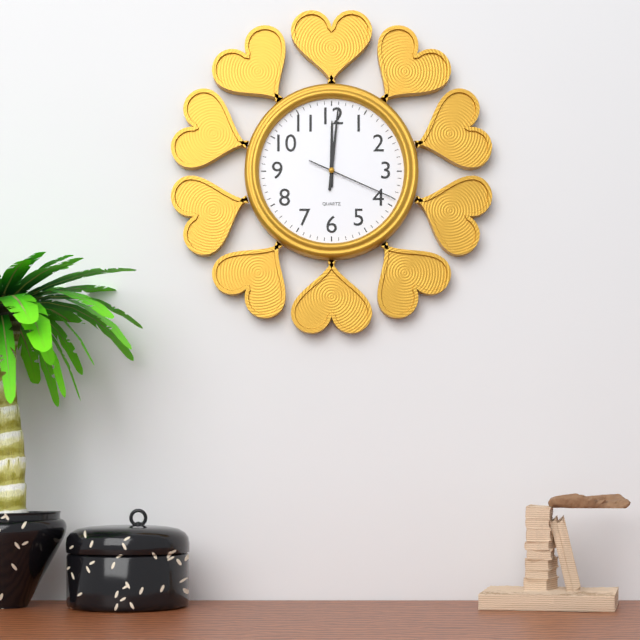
**12:01:19**
